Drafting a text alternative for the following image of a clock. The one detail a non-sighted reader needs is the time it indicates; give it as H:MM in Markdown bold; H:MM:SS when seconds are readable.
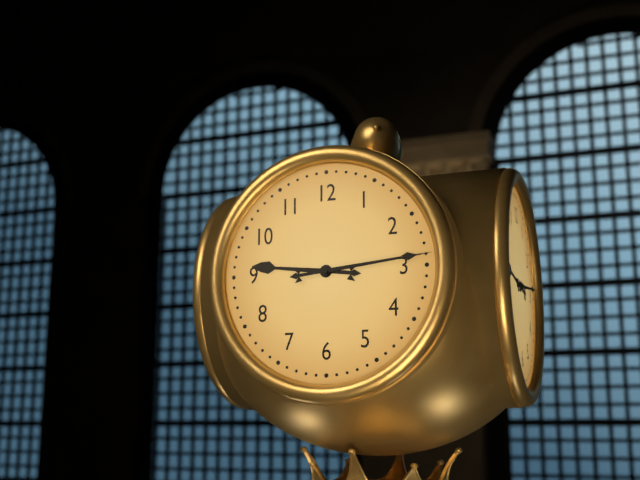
**9:14**
